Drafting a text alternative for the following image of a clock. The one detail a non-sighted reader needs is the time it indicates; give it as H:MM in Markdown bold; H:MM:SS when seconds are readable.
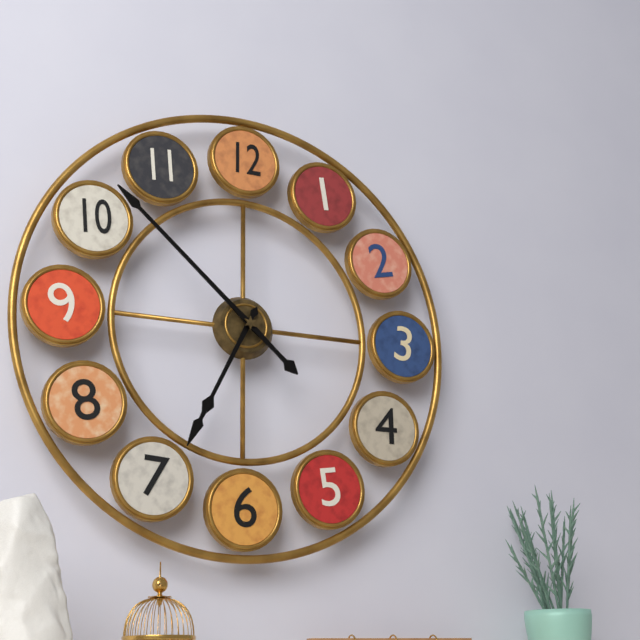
**6:52**
